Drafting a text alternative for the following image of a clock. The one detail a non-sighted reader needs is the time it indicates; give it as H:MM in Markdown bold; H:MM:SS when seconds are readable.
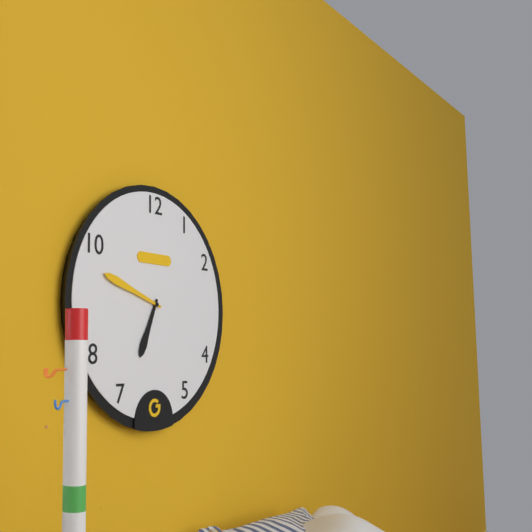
**6:48**
